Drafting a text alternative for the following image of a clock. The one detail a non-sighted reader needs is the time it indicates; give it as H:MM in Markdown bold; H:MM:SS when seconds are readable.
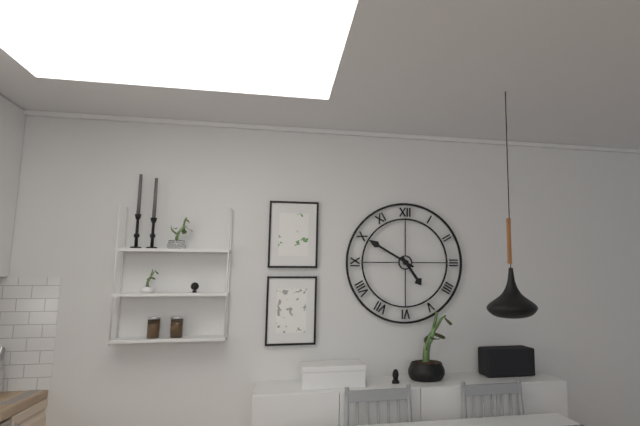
**4:50**
